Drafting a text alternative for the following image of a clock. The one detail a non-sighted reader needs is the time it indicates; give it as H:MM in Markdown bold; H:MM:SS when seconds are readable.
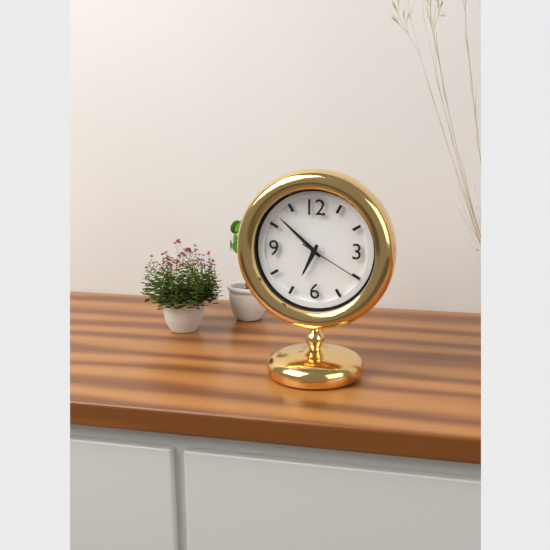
**6:52:20**
